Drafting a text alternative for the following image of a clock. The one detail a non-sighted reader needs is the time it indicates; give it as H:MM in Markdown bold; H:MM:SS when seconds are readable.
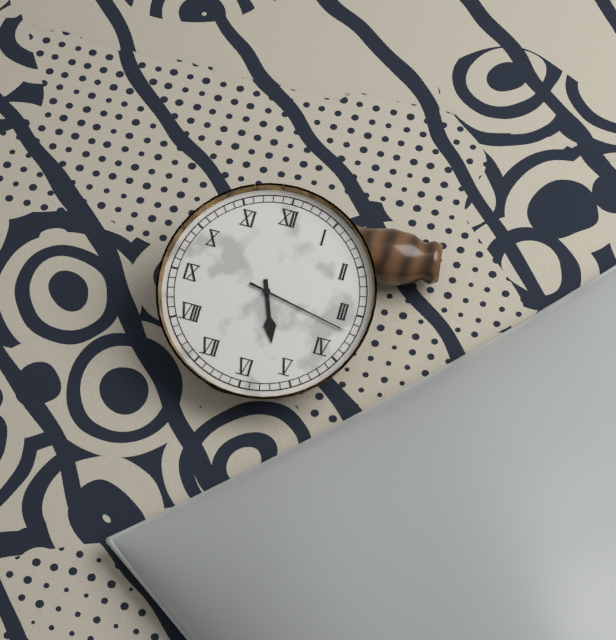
**5:17**
